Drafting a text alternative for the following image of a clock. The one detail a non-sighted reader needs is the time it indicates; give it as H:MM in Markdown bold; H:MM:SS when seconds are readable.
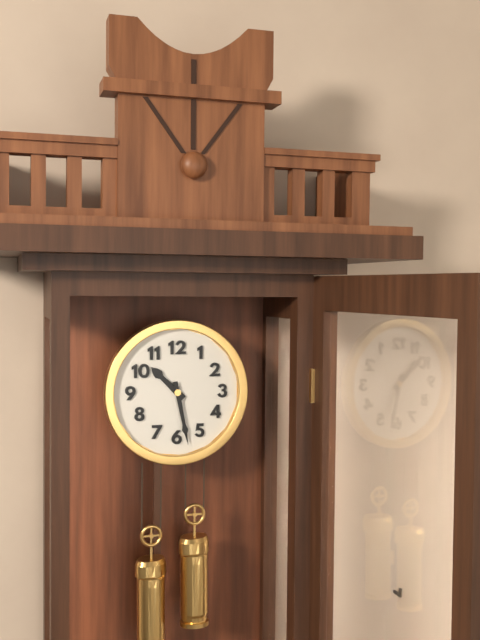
**10:28**
